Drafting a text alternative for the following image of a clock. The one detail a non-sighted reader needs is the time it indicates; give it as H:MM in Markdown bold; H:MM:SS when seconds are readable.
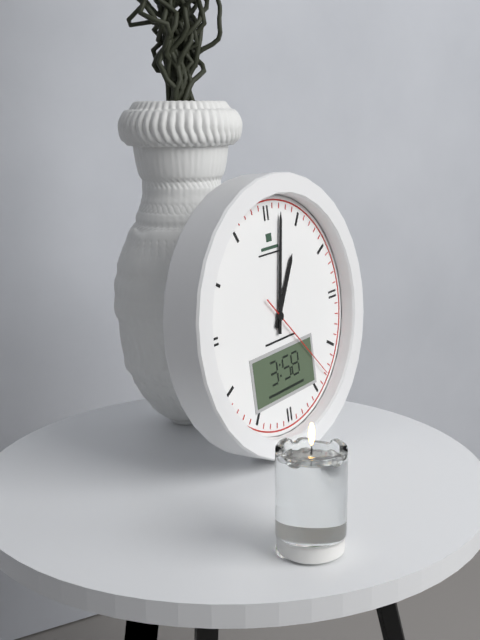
**1:02:23**
